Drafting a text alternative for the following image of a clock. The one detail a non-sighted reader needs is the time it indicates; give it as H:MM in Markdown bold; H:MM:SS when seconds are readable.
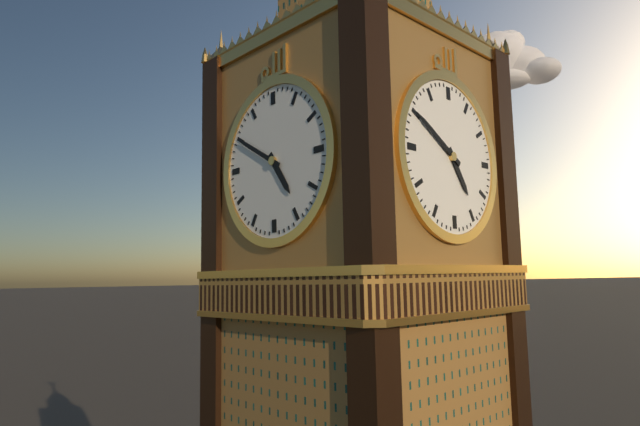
**4:50**
